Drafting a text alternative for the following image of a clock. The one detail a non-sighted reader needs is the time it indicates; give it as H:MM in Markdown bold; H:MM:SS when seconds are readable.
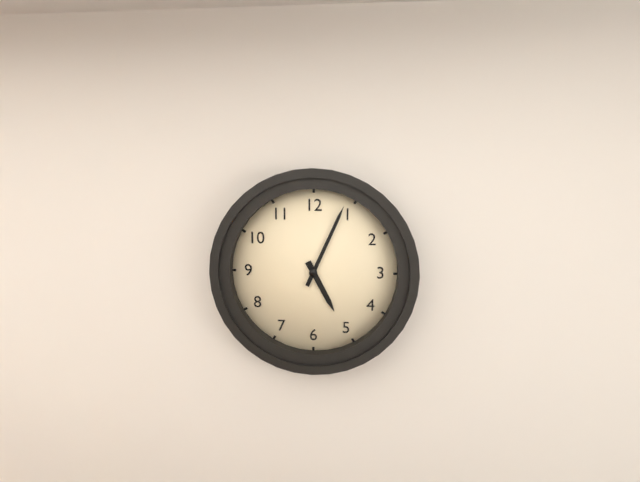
**5:04**
